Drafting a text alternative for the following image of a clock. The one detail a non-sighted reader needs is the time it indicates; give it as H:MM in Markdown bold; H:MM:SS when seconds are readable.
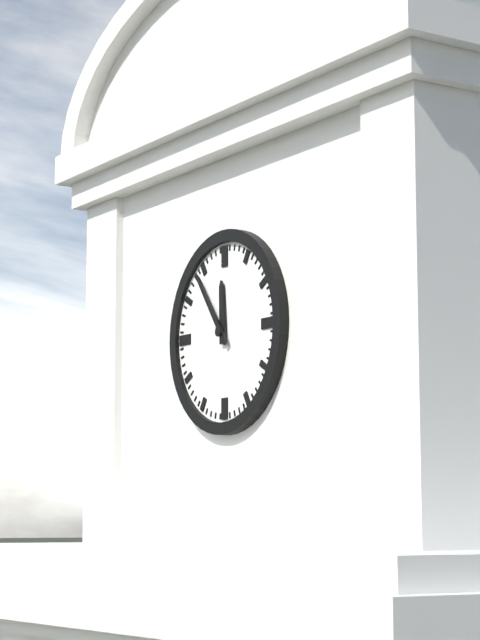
**11:54**
